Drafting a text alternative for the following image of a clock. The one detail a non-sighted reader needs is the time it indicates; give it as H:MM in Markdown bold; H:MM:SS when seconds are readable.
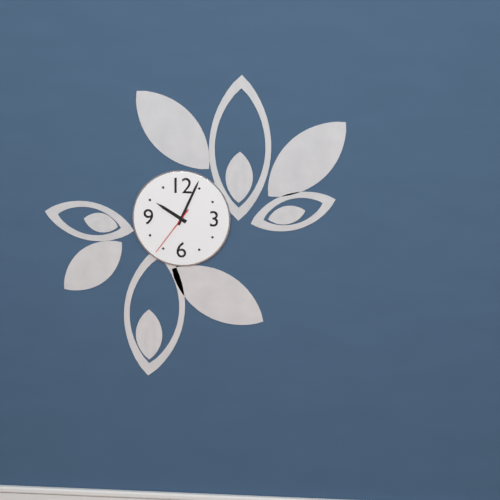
**10:04:36**
